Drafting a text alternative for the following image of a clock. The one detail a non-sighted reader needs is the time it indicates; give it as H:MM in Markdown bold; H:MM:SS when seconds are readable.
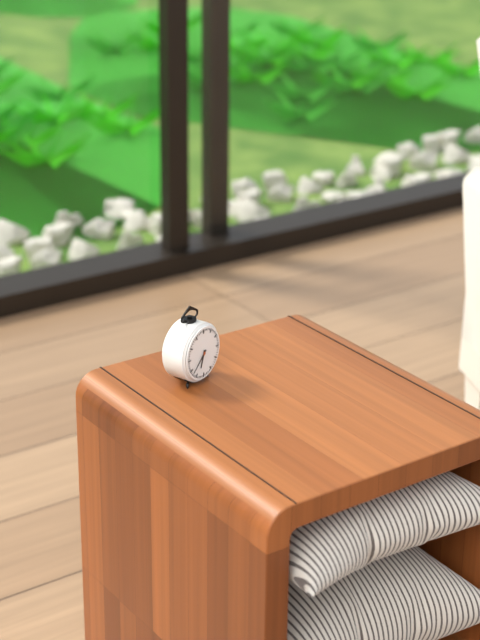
**6:38**
